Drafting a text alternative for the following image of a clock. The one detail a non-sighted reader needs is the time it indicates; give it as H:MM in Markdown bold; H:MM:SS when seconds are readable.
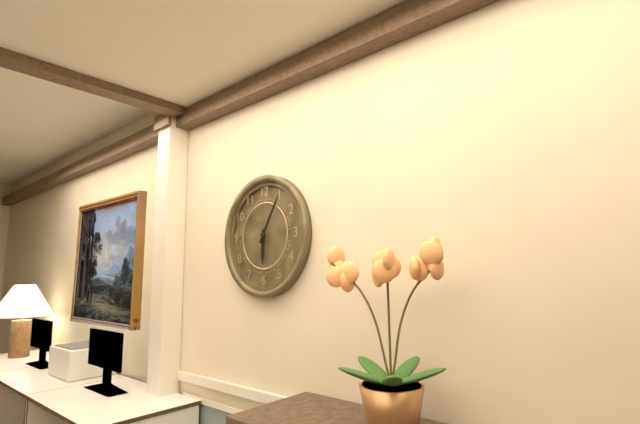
**6:05**
